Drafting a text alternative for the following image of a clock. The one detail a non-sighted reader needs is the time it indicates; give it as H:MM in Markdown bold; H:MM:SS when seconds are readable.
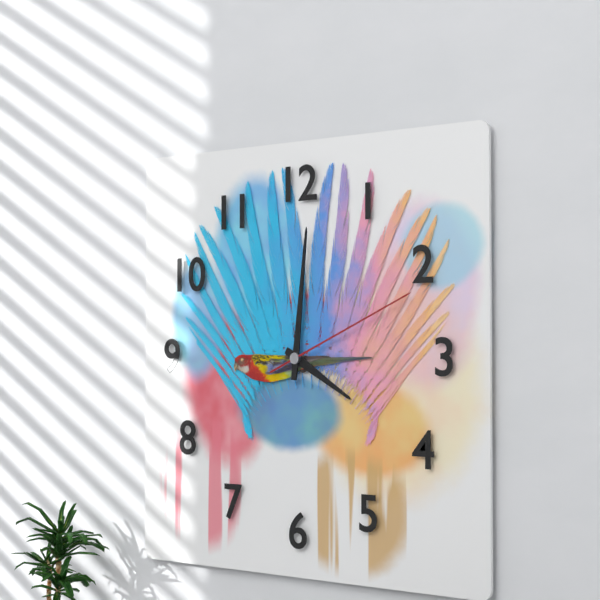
**4:01:11**
